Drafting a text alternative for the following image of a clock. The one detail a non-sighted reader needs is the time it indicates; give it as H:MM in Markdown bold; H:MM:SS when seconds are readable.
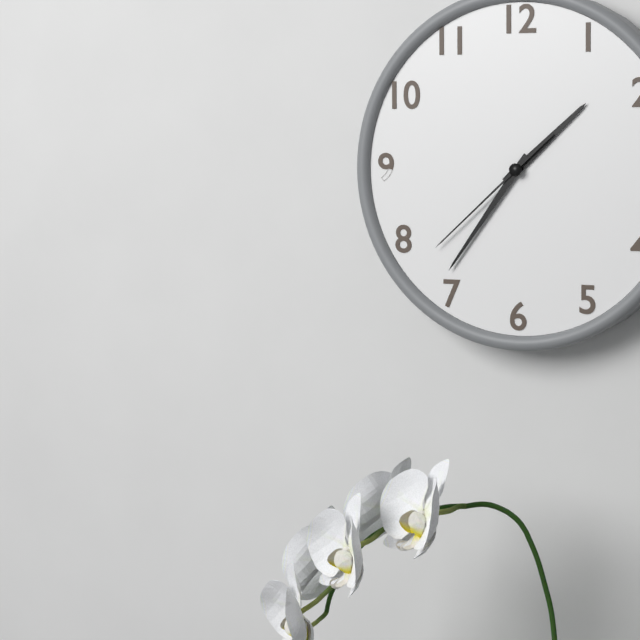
**1:36:38**
